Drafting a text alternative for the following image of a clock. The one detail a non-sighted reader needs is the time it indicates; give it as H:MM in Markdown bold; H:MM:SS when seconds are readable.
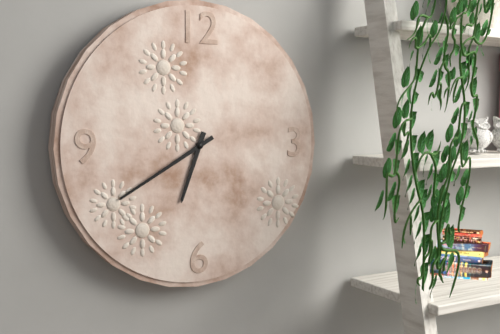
**6:40**
